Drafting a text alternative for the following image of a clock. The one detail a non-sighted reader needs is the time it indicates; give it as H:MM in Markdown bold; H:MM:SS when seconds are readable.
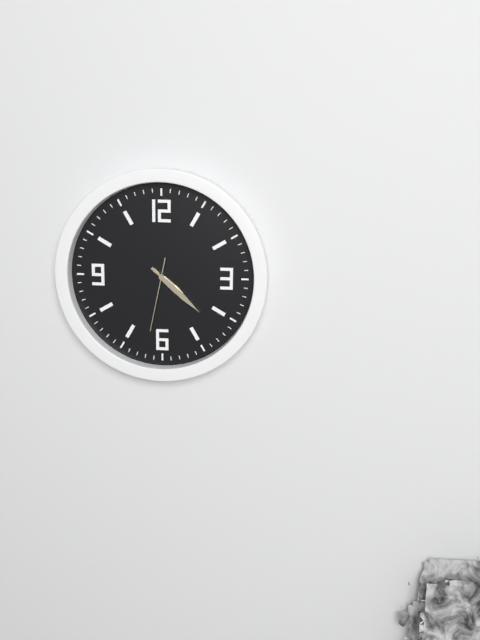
**4:22:32**
